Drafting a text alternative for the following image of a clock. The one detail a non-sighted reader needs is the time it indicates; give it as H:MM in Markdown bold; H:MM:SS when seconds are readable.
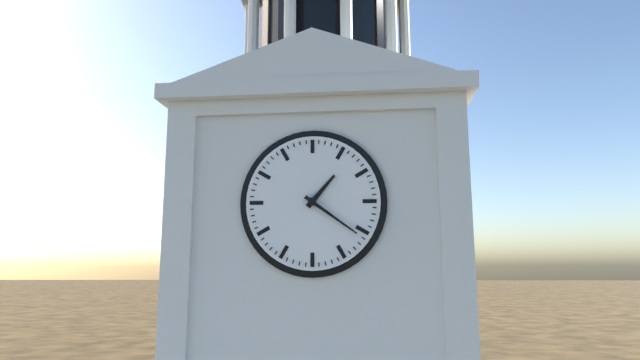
**1:21**
